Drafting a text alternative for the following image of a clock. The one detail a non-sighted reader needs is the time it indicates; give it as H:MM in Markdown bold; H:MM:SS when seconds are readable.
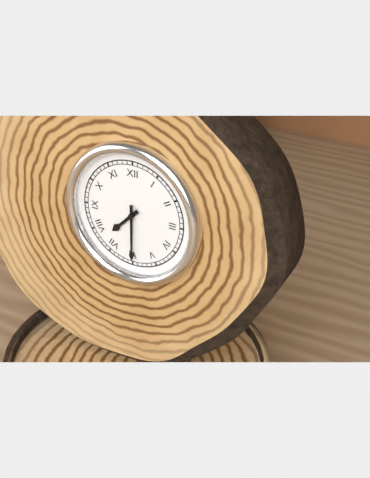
**7:30**
